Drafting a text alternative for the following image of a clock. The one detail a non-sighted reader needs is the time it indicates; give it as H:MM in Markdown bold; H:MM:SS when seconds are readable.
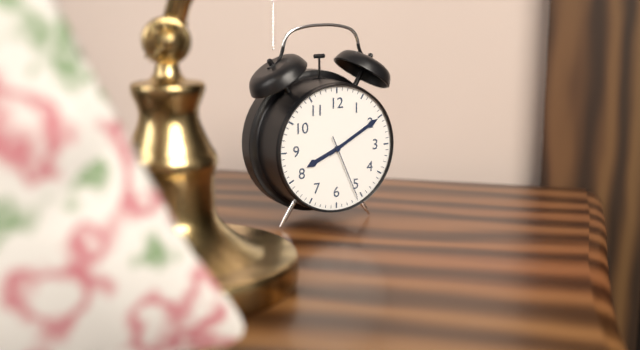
**8:10:26**
